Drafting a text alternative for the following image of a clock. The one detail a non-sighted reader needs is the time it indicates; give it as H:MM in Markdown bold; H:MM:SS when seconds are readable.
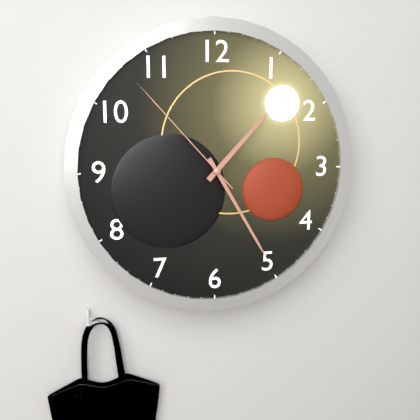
**1:25:53**
